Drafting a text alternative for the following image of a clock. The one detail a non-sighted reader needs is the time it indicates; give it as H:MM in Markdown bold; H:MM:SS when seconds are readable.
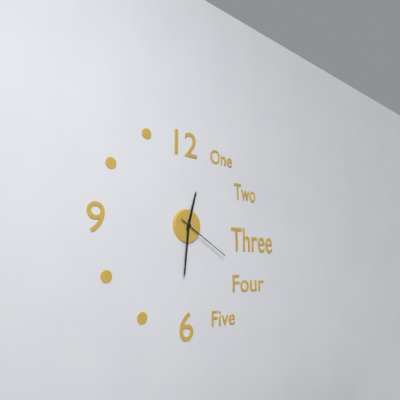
**12:31:20**
